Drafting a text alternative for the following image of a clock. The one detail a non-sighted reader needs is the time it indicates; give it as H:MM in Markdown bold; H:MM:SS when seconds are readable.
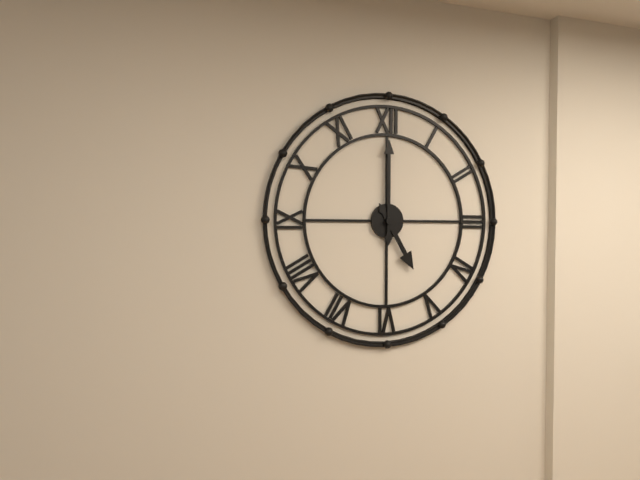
**5:00**
